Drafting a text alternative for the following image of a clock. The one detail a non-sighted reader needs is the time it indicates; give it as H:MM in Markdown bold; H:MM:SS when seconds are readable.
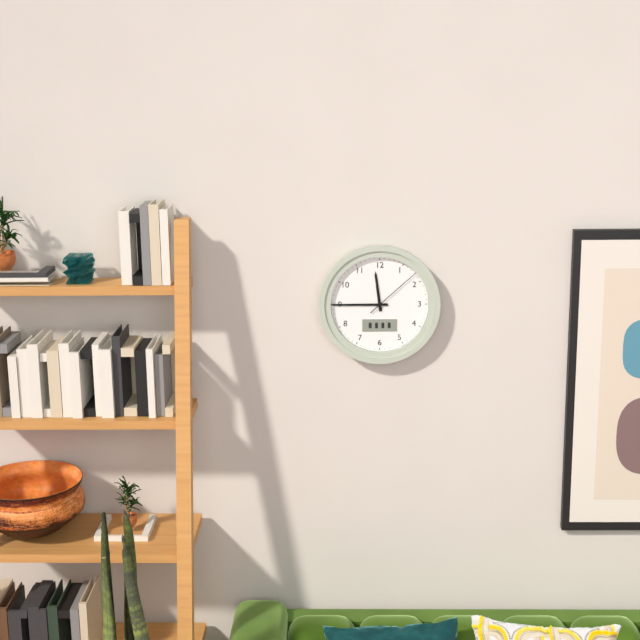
**11:45:08**
